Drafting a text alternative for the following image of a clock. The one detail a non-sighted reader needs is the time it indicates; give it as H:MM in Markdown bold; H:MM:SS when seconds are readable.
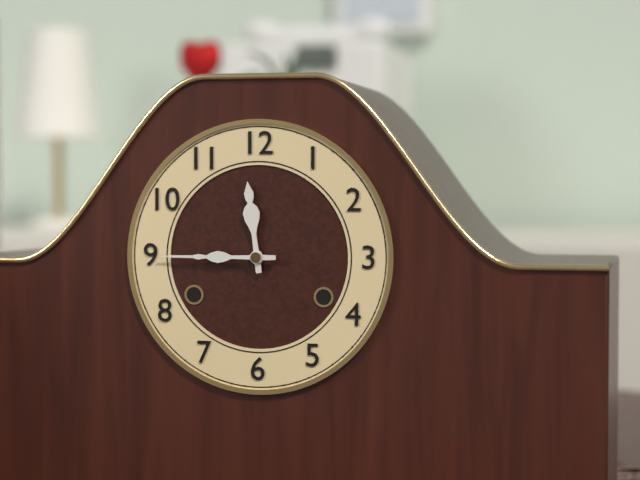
**11:45**
